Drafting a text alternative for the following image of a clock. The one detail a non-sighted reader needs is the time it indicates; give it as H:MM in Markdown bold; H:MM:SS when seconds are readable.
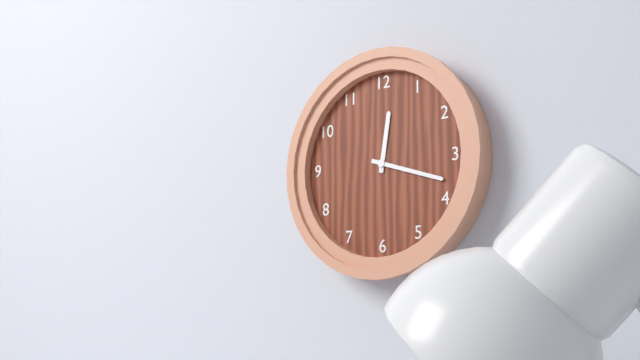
**12:18**
